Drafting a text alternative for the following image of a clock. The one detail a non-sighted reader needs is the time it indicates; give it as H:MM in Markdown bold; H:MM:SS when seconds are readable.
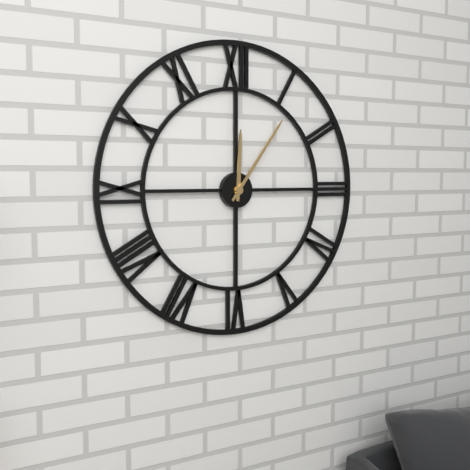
**12:06**
